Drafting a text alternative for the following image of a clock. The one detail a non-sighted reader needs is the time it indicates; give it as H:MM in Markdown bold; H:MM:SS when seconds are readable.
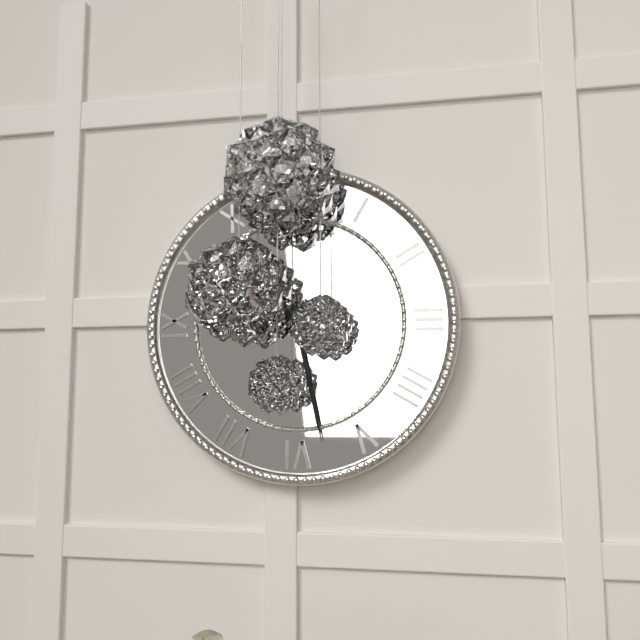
**10:28**
